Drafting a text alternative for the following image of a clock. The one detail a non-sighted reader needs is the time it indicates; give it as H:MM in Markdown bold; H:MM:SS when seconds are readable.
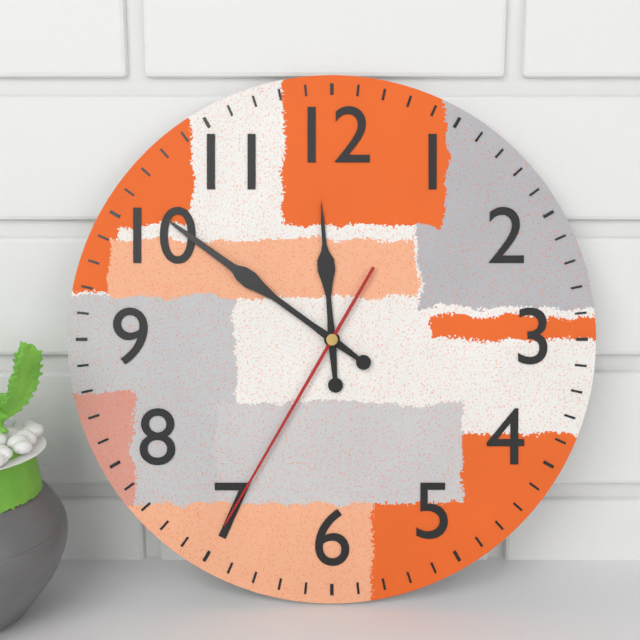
**11:51:35**
